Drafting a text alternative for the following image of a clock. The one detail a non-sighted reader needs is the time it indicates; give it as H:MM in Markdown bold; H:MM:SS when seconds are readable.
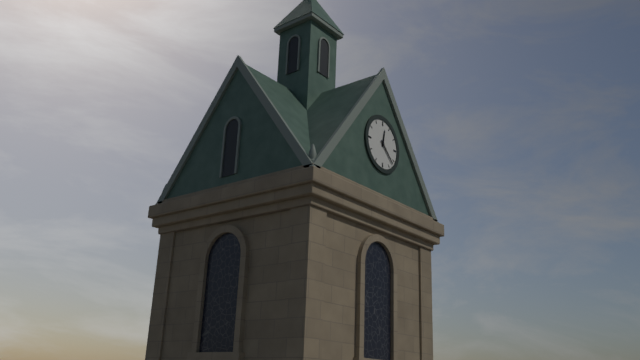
**12:22**
